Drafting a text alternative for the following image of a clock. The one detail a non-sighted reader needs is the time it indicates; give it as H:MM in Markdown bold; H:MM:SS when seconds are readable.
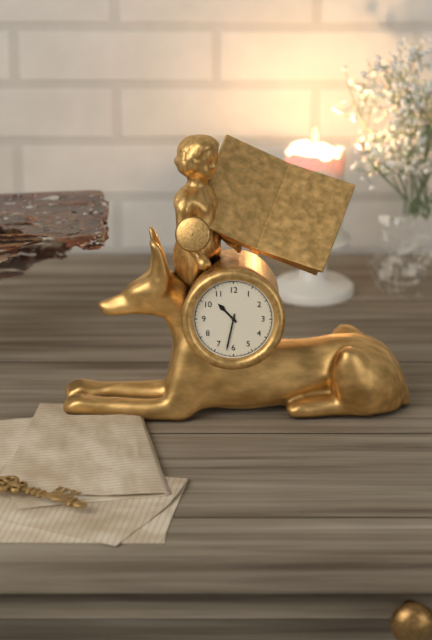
**10:32**
